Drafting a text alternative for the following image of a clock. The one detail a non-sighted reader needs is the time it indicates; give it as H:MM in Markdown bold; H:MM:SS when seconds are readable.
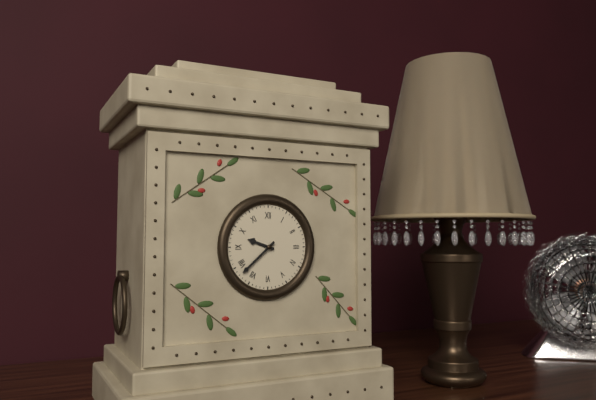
**9:38**
